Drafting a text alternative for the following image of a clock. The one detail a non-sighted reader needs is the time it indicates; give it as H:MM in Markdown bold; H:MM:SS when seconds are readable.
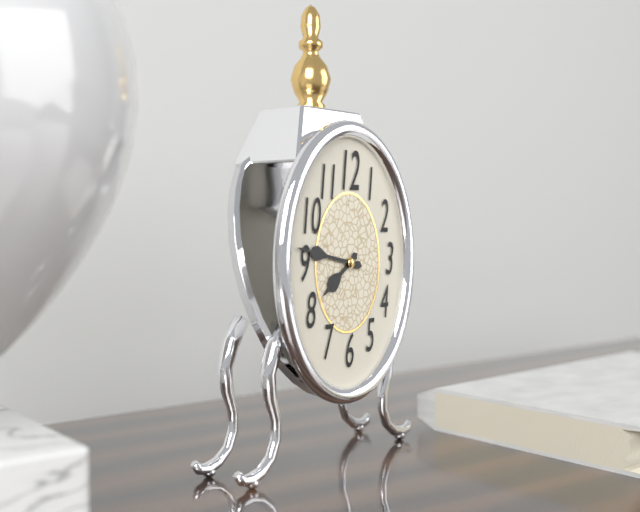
**7:47**
